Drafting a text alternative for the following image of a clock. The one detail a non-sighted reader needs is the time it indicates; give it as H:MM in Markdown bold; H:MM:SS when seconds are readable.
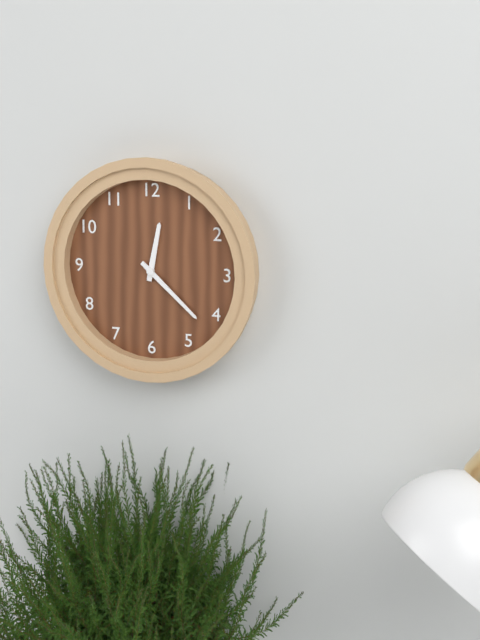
**12:22**
